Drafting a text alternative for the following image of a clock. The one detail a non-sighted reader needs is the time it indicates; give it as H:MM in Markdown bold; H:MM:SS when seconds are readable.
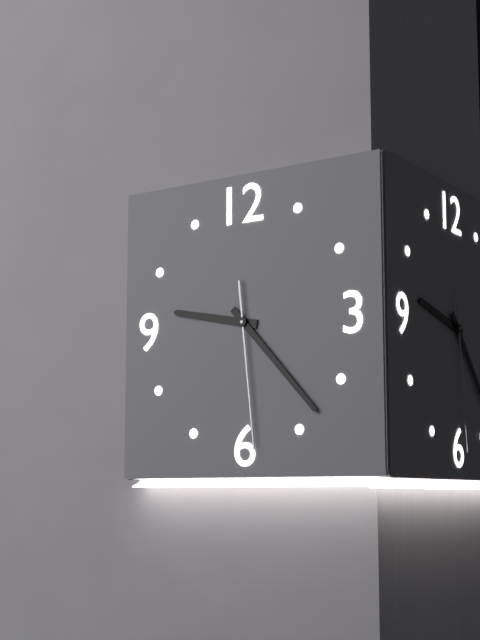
**9:23:29**
